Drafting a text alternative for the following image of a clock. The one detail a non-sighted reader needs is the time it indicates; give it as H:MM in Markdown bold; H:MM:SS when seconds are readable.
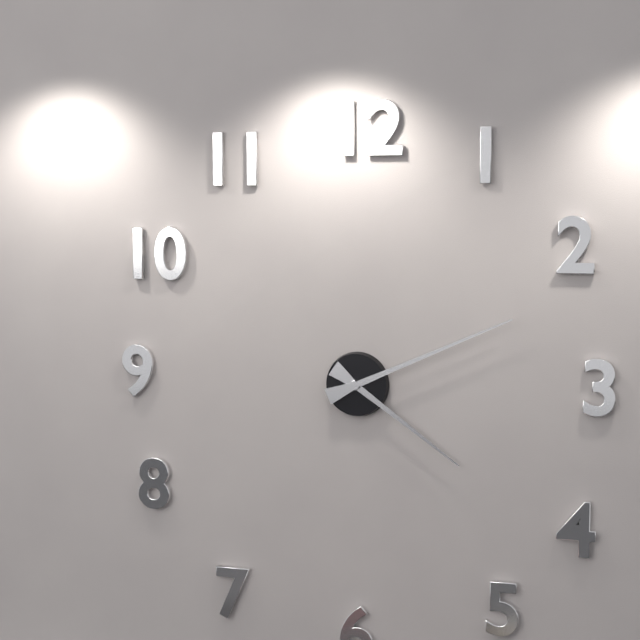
**4:11**
